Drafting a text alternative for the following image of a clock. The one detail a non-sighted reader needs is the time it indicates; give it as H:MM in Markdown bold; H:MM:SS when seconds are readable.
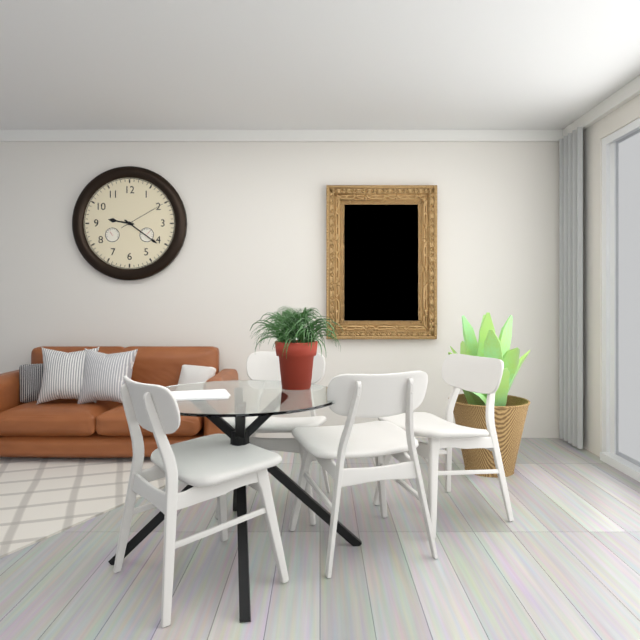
**9:21**
